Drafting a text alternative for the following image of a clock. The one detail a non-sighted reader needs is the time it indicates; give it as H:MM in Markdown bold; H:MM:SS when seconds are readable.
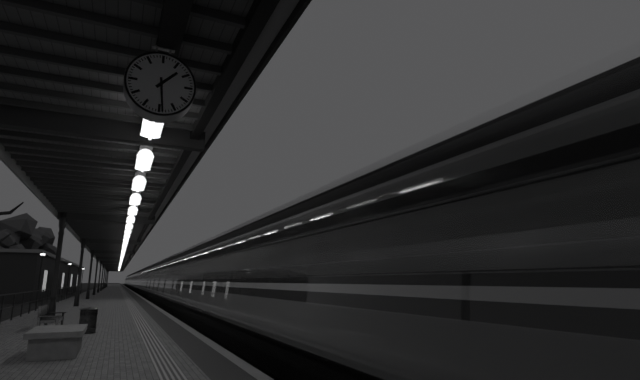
**1:29**
